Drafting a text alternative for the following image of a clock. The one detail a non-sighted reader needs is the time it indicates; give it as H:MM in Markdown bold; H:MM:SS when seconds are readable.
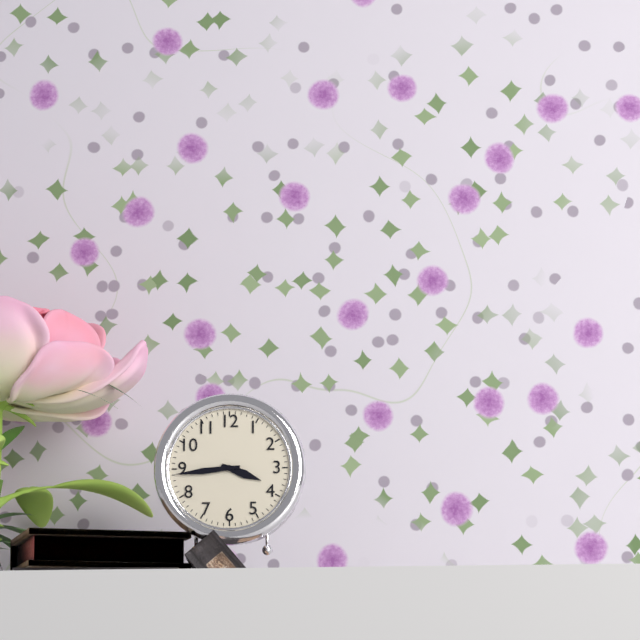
**3:44**
